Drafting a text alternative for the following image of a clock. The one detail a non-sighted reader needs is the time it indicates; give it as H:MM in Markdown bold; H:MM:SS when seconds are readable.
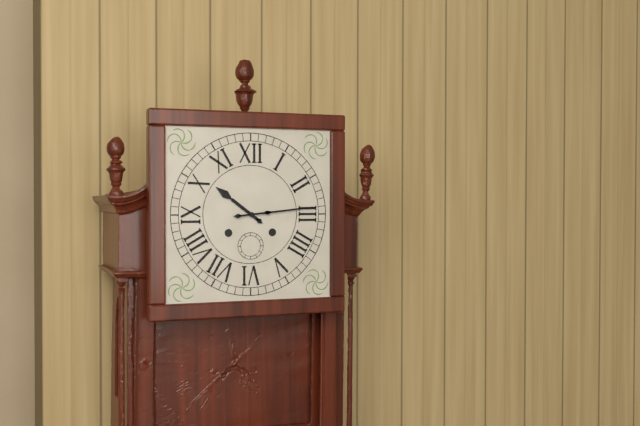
**10:14**
